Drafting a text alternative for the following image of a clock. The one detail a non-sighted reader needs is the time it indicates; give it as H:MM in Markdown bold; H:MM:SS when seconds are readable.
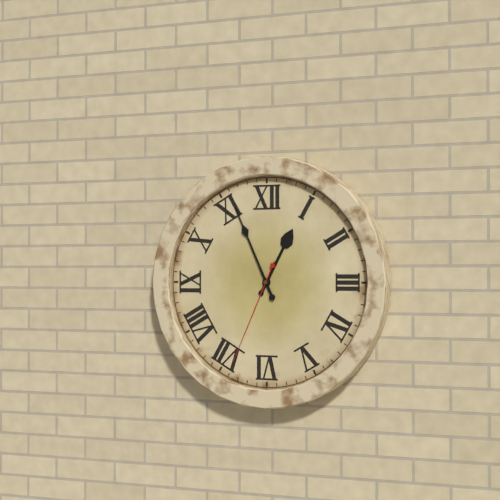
**12:56:34**
